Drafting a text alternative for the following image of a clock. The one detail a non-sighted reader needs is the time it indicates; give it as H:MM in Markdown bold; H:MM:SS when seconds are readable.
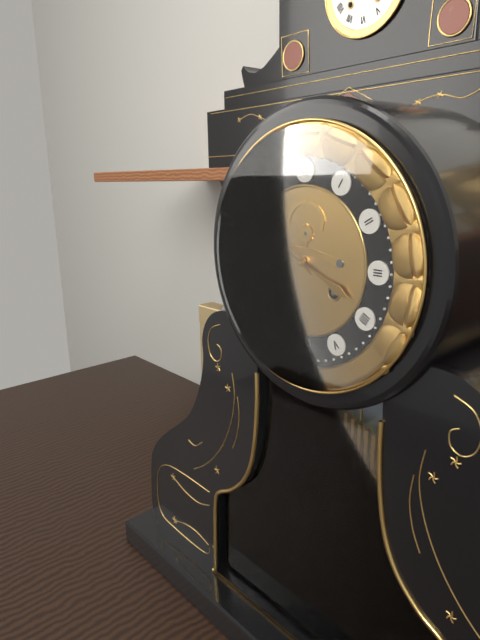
**3:51**
